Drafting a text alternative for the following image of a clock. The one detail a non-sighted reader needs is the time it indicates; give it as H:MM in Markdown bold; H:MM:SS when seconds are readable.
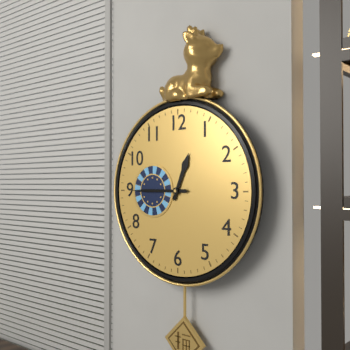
**12:45**
